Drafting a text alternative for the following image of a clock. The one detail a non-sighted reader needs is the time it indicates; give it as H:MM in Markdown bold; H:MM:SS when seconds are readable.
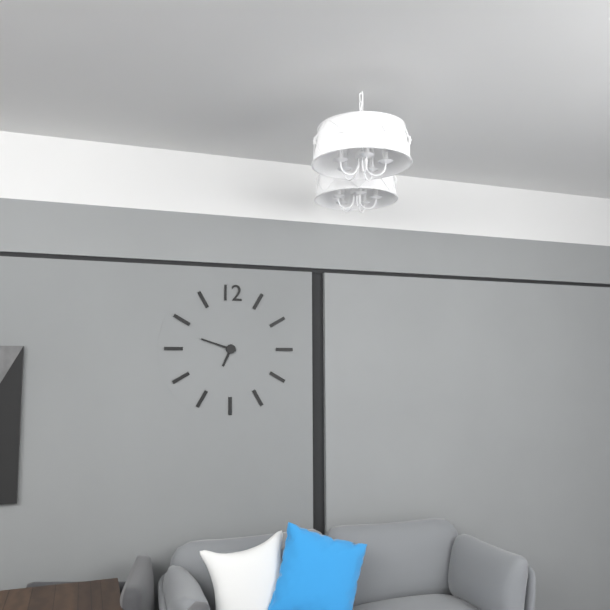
**6:48**
